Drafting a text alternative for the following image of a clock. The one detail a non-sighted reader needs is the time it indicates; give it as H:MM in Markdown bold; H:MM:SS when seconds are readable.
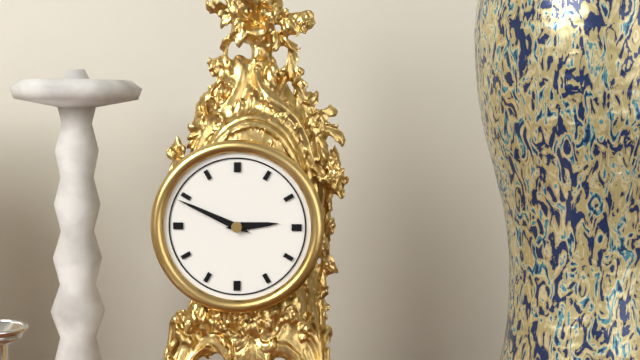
**2:49**
